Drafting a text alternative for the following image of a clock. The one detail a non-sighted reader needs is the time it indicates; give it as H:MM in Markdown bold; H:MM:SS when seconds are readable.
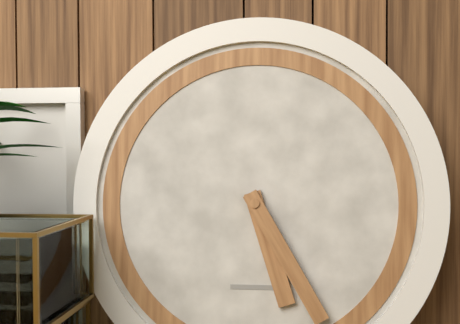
**5:25**
